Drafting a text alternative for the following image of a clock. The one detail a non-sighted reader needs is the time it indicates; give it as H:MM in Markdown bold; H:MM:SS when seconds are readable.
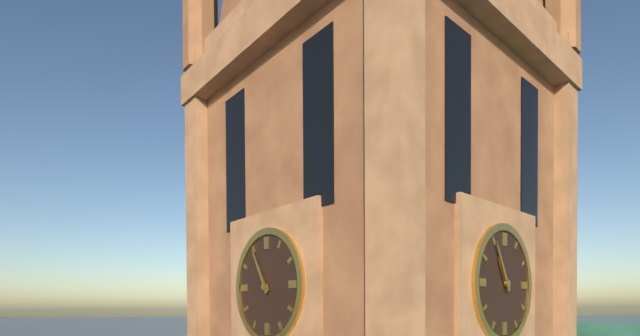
**10:55**
